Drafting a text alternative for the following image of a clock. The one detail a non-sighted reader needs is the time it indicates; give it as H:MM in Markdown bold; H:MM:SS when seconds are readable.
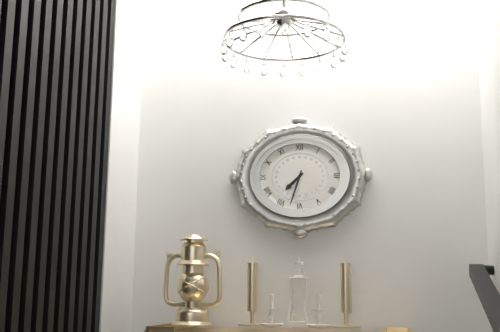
**7:33**
